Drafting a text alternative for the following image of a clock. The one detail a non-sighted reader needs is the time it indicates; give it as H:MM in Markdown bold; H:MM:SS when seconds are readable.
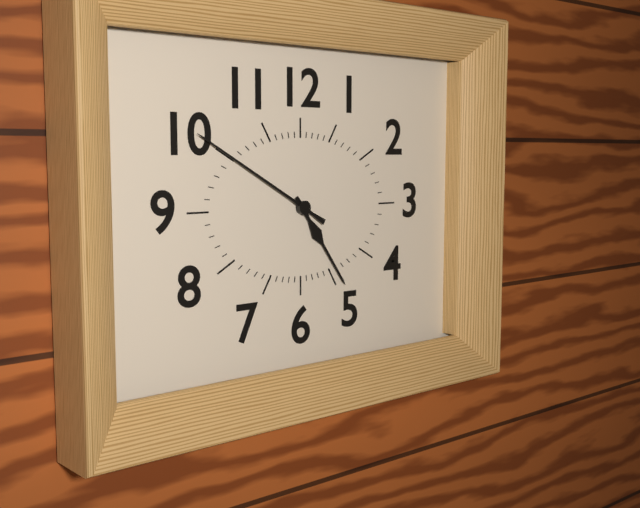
**4:50**
